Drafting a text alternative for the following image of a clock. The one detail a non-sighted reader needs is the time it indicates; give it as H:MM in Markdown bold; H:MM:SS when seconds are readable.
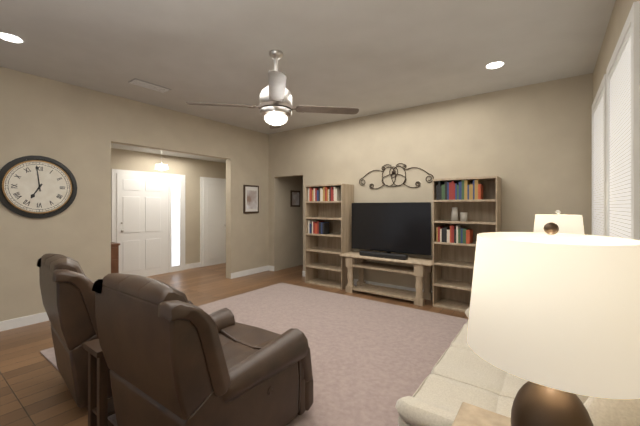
**6:59**
